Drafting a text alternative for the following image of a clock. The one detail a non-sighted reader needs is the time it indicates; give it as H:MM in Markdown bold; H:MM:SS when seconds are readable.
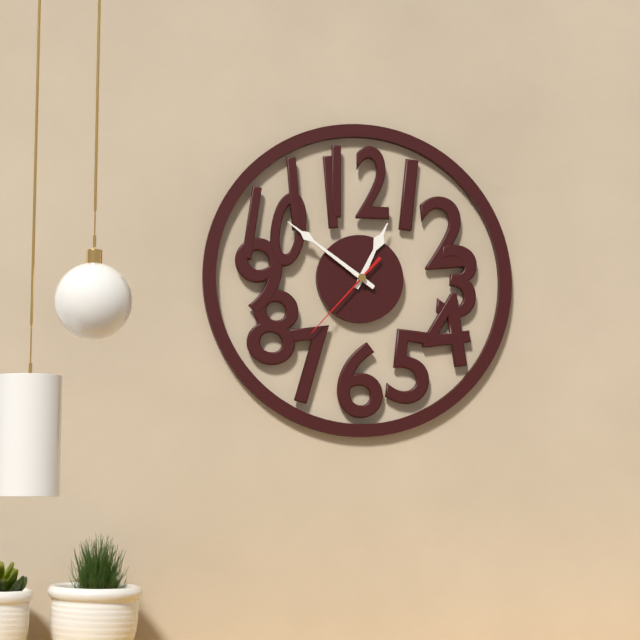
**12:51:37**
